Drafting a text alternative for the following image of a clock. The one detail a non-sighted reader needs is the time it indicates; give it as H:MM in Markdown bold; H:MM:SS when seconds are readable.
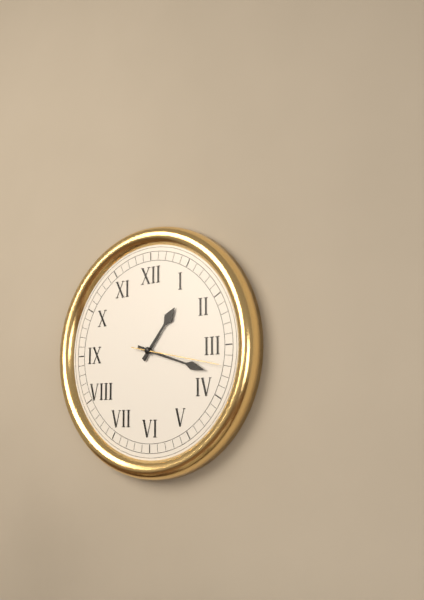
**1:18:17**
